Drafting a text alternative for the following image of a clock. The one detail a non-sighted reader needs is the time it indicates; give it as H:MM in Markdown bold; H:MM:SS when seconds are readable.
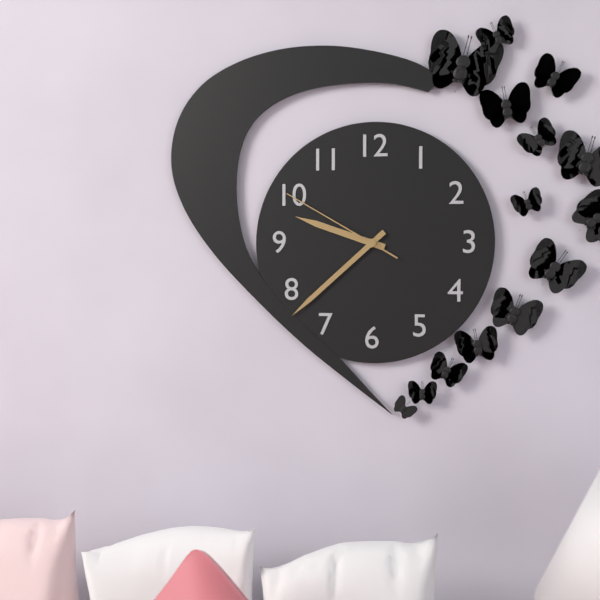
**9:38:50**
